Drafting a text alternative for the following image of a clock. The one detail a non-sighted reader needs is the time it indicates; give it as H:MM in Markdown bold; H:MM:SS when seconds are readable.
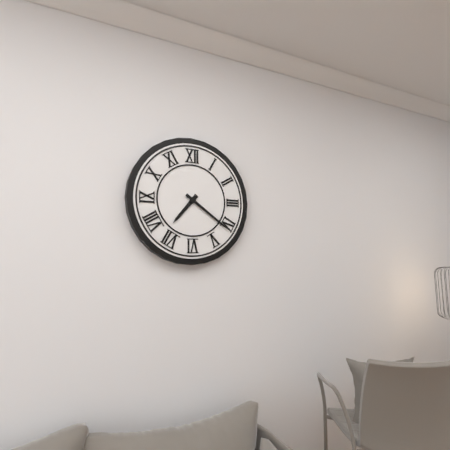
**7:21**
